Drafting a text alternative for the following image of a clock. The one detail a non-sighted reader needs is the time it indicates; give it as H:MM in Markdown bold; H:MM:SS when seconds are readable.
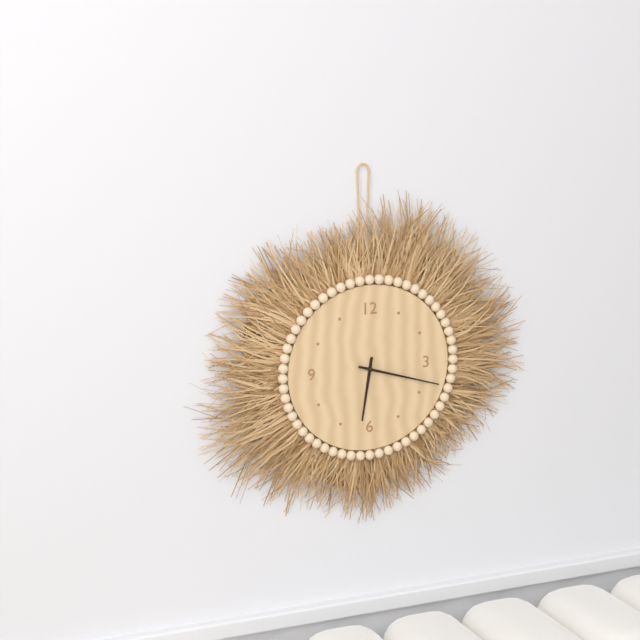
**6:18**
